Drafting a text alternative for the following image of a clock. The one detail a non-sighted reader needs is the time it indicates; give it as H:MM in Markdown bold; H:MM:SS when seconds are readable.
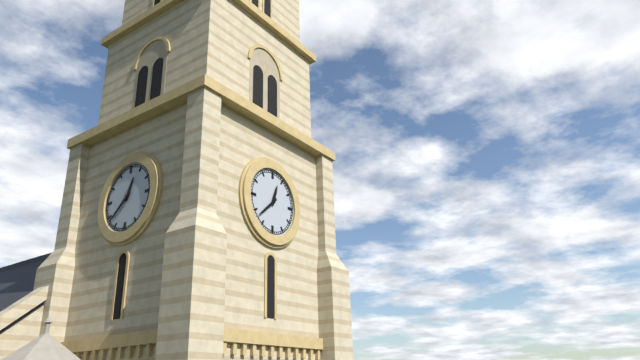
**12:38**
